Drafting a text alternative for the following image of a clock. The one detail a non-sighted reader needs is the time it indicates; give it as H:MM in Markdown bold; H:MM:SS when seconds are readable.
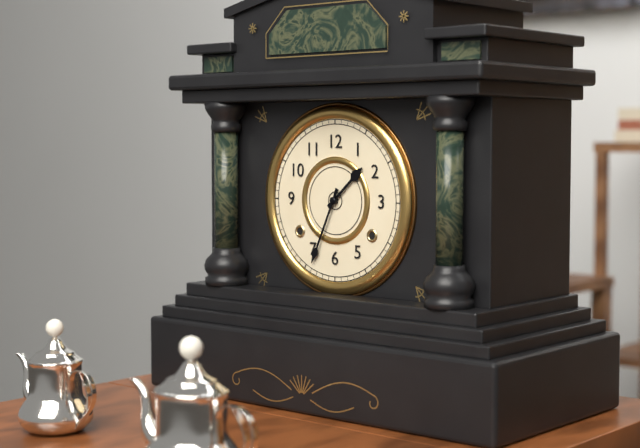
**1:34**
